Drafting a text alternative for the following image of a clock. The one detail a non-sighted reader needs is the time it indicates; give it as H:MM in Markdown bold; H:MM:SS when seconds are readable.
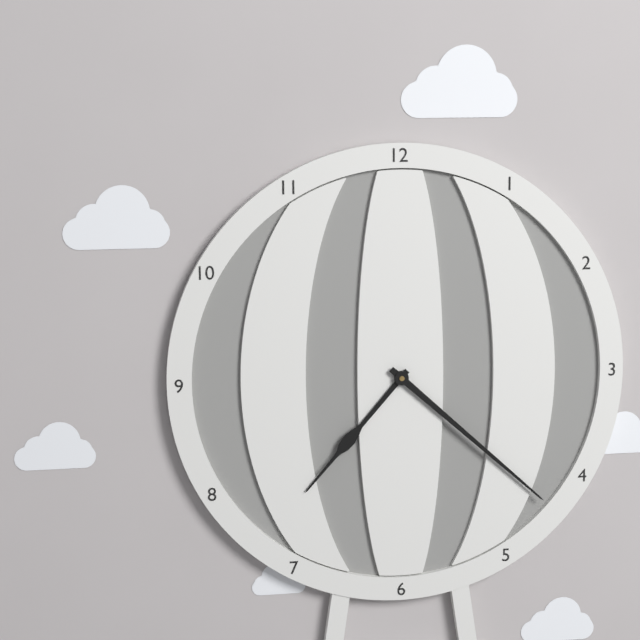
**7:22**
